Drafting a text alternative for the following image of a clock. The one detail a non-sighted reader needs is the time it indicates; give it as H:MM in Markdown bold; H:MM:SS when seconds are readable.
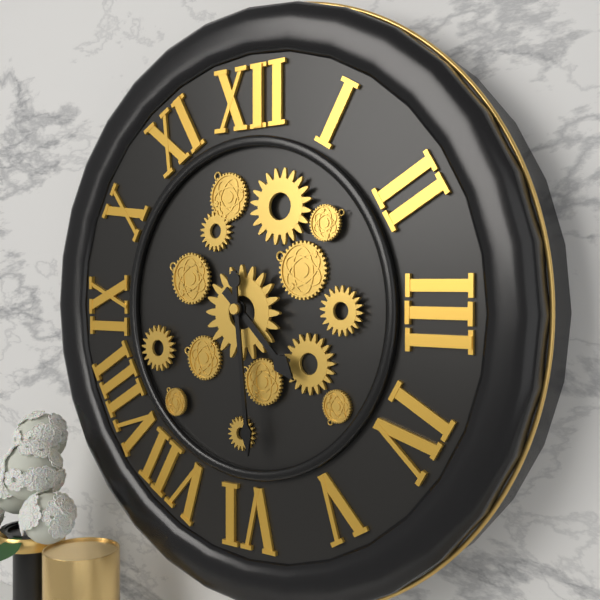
**4:29**
